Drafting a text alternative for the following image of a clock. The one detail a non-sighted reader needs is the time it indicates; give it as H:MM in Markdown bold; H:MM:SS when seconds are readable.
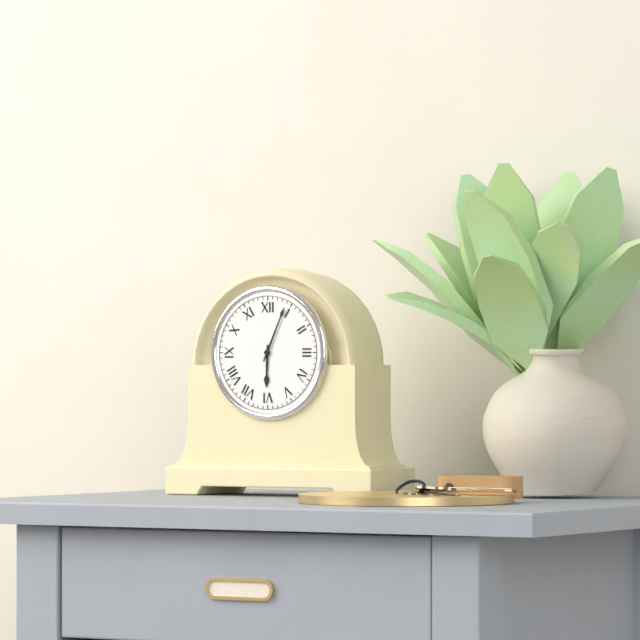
**6:04**
